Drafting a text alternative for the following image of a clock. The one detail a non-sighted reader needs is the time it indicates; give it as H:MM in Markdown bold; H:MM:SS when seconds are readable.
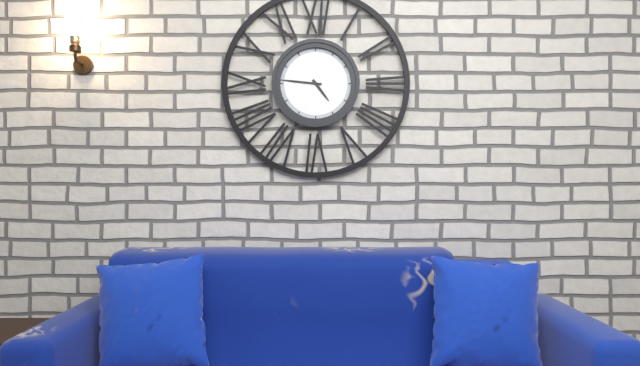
**4:46**
